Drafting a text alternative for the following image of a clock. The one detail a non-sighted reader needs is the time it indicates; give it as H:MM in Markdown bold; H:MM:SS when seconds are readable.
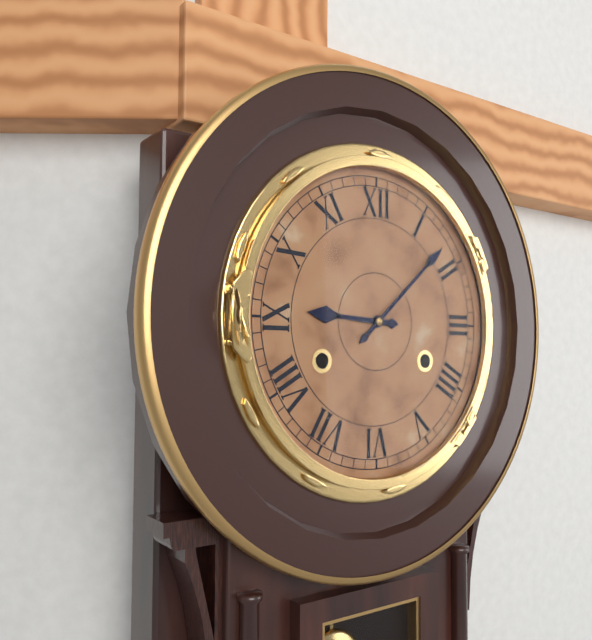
**9:08**
